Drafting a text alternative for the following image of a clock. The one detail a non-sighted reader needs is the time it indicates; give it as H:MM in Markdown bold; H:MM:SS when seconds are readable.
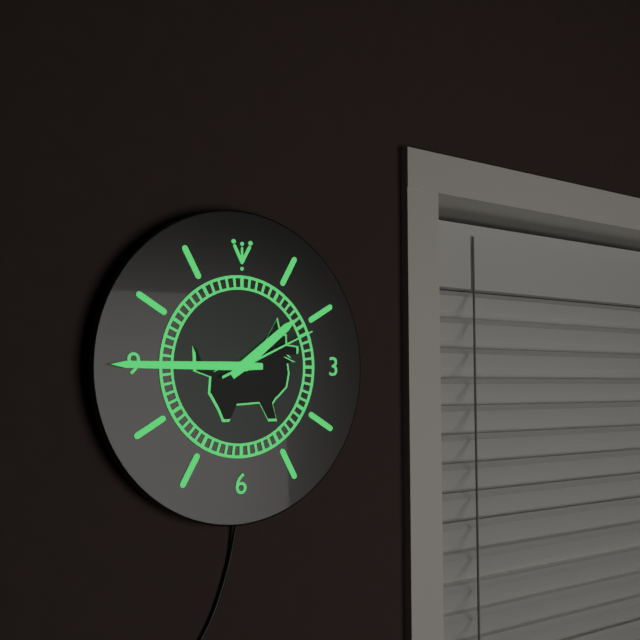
**1:45:11**
